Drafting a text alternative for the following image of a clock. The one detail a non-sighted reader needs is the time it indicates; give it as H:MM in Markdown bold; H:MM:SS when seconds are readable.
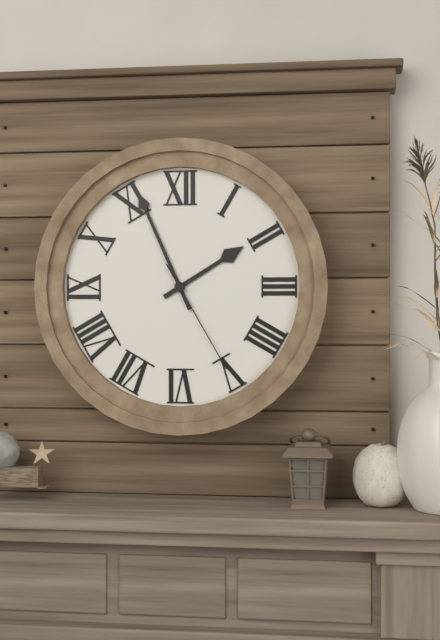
**1:56:25**
